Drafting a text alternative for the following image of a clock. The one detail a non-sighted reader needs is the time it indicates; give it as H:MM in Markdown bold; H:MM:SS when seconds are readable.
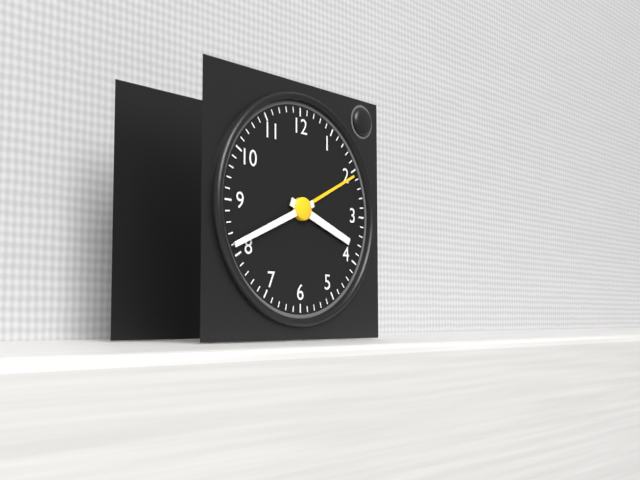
**3:41**
